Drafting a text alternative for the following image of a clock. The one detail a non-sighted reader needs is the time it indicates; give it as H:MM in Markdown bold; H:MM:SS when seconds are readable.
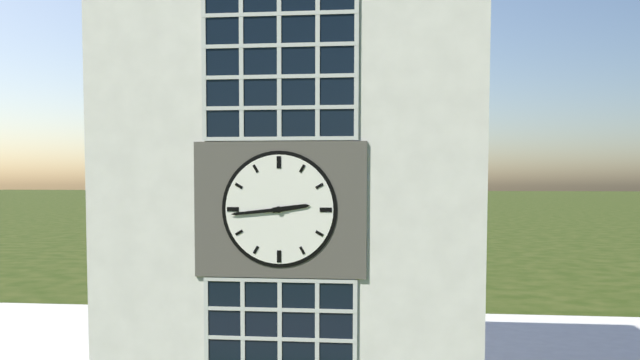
**2:44**
